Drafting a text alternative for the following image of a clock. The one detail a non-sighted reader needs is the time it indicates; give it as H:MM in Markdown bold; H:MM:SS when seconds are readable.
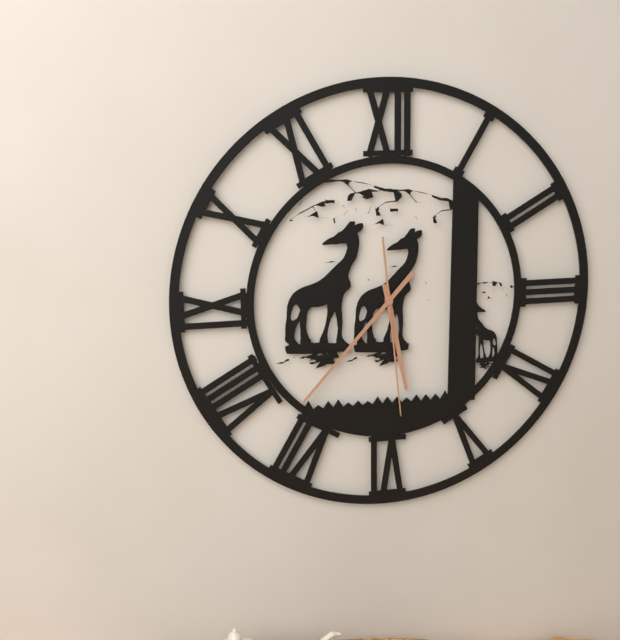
**5:37:29**
